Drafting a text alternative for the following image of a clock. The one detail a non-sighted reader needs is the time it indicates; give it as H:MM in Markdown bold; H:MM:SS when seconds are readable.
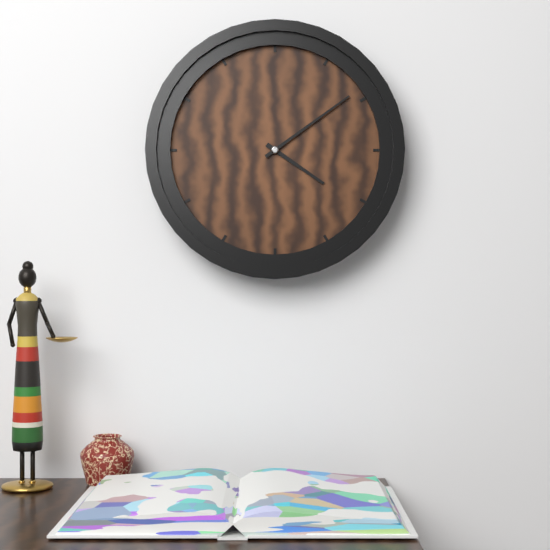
**4:09**
